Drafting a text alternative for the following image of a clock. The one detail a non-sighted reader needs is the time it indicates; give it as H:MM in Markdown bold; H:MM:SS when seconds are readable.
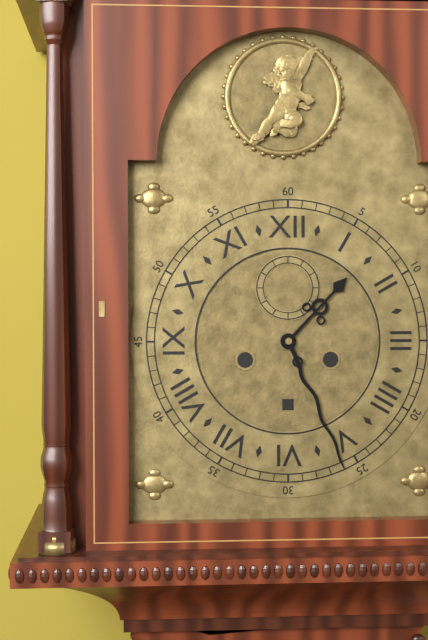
**1:26**
